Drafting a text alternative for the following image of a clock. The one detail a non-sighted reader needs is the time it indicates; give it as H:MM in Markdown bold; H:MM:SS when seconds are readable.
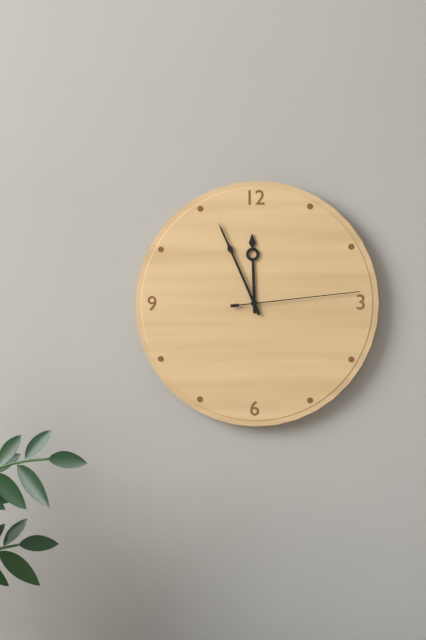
**11:56:14**
